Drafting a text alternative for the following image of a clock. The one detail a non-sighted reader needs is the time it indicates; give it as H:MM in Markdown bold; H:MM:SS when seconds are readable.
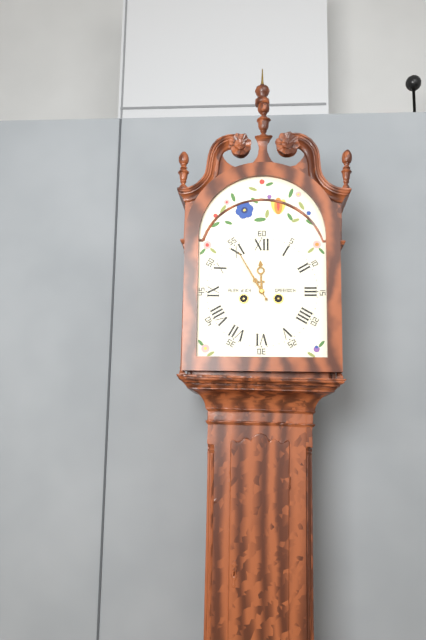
**11:55**
